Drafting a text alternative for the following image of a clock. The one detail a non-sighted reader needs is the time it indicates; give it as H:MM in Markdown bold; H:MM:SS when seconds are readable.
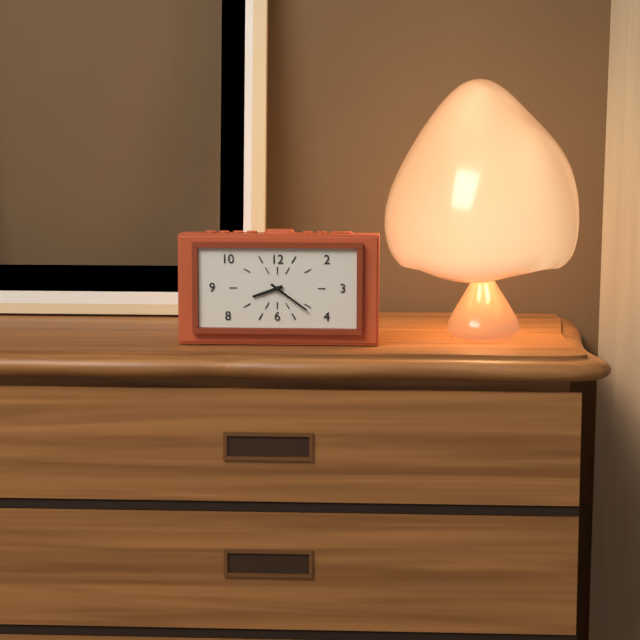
**8:21**
